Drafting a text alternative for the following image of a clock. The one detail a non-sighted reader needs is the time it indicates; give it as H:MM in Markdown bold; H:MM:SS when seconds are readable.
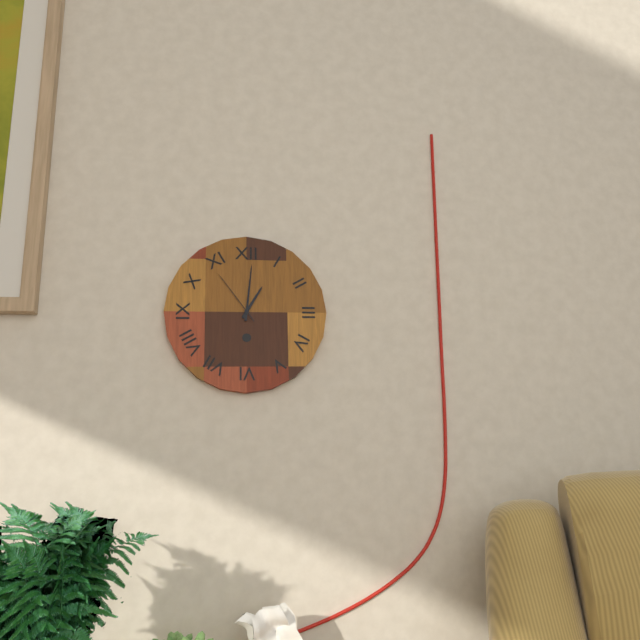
**1:01:54**
